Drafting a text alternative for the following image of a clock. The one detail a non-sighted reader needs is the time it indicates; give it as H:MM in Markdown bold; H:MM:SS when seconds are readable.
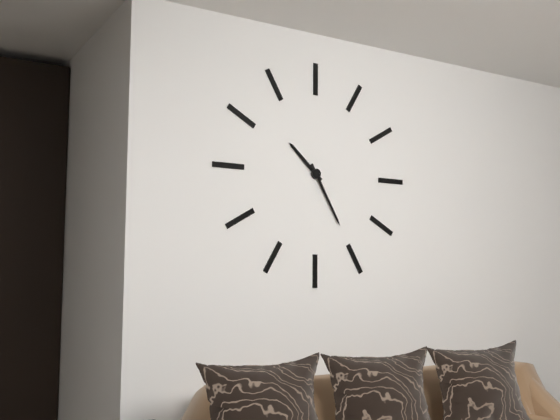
**10:25**
